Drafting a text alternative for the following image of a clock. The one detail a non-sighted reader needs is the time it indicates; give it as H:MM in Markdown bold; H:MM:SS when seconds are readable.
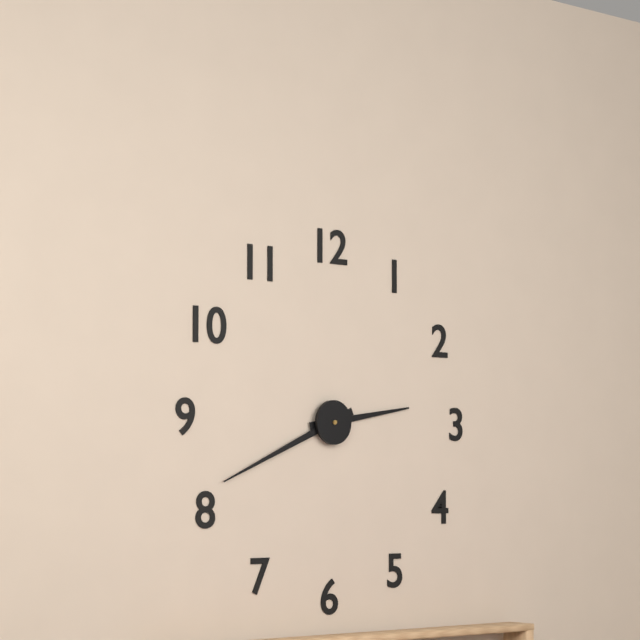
**2:41**
